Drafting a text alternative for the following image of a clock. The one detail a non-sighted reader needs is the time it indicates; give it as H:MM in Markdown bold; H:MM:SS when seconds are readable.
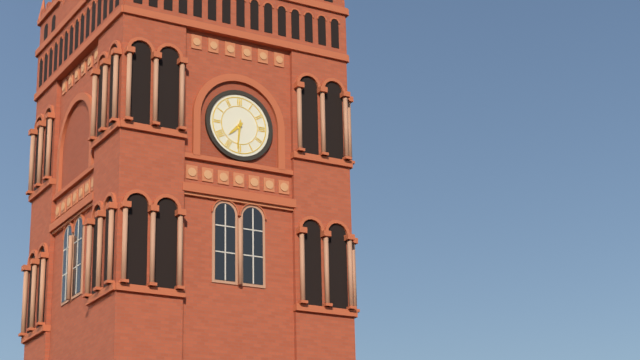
**7:31**
